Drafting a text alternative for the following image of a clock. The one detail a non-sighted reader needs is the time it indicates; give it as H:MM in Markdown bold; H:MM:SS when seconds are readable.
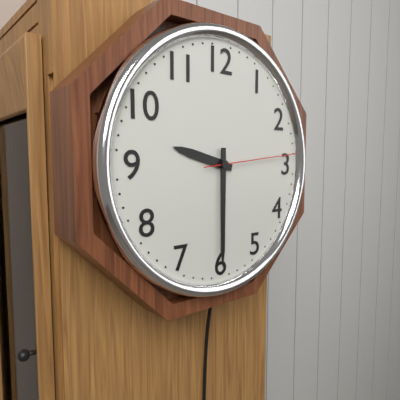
**9:30:14**
